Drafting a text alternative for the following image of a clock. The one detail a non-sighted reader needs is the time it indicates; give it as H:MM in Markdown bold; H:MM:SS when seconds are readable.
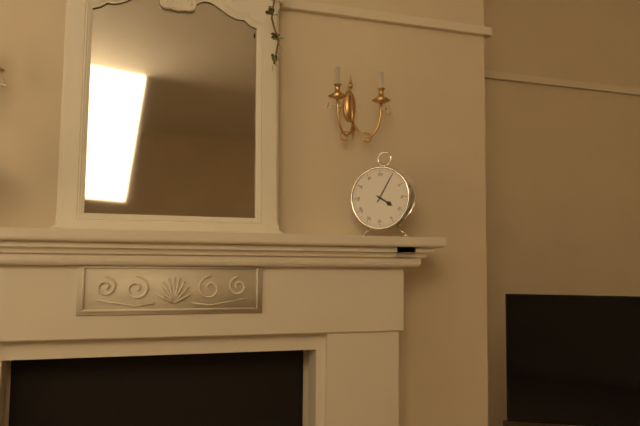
**4:05**
